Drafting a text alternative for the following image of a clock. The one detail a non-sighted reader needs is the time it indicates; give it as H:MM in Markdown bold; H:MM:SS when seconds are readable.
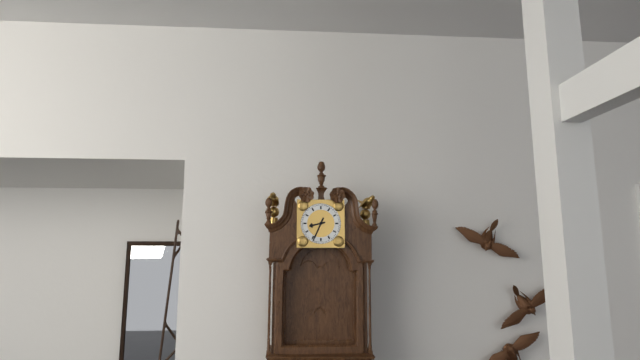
**8:34**
